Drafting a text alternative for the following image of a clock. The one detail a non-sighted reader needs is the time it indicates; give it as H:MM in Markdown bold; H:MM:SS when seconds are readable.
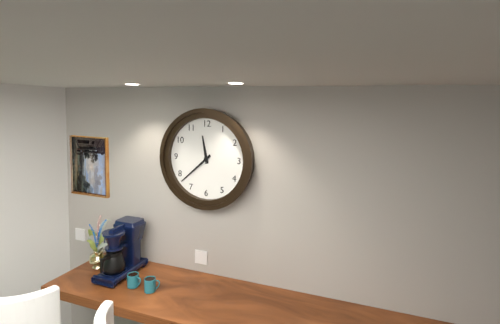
**11:38**
